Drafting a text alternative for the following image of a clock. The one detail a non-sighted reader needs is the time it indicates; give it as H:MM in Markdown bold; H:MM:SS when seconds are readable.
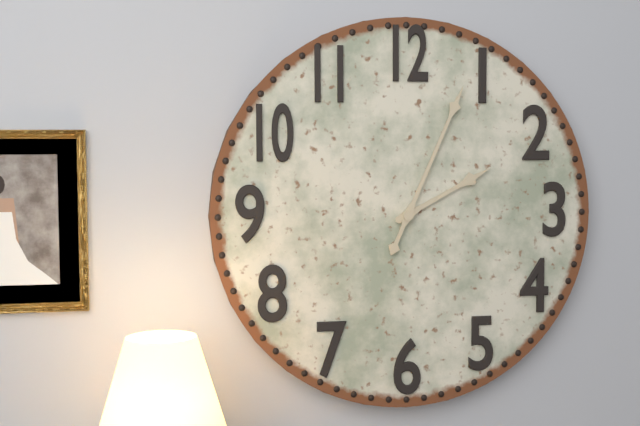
**2:04**
